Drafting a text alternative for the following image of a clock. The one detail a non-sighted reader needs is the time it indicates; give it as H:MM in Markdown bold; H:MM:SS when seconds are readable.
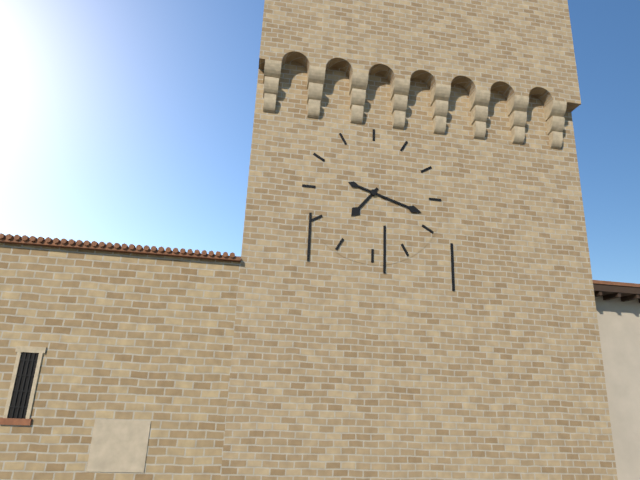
**7:18**
